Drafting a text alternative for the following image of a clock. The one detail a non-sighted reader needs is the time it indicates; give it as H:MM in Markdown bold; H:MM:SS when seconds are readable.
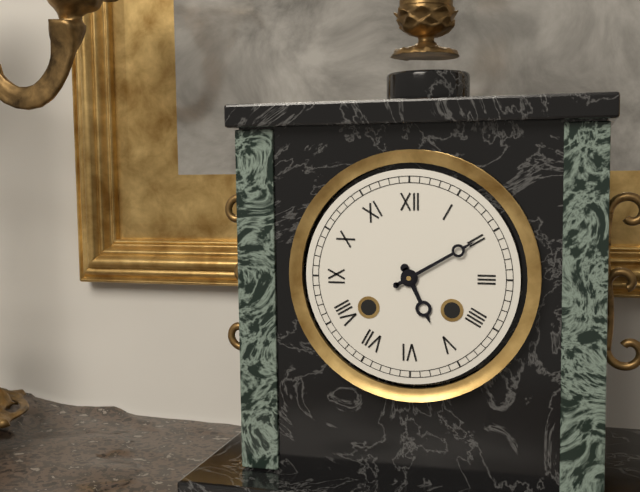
**5:10**
